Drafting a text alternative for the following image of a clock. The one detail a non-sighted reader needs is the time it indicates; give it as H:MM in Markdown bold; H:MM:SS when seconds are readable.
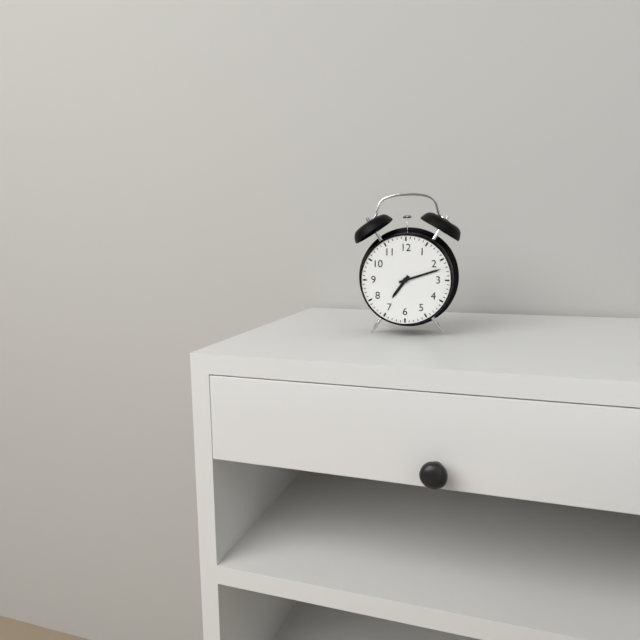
**7:12**
